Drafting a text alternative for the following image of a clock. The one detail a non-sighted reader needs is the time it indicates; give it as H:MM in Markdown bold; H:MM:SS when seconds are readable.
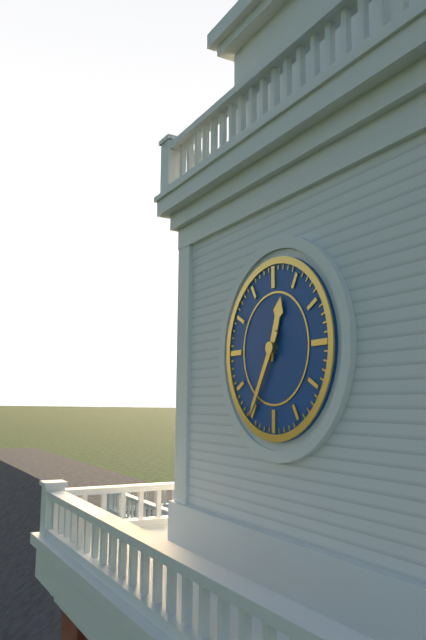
**12:35**
